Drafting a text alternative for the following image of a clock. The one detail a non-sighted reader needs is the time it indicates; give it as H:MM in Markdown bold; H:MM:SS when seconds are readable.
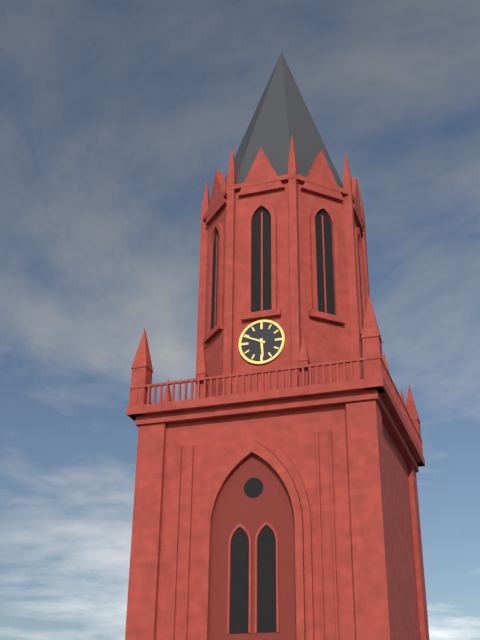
**5:49**
